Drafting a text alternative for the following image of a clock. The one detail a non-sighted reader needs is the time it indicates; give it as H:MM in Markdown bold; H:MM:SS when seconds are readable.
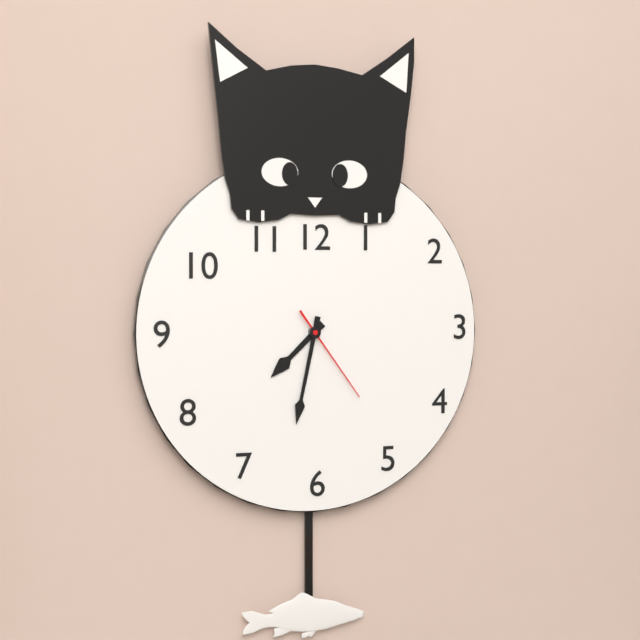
**7:32:24**
